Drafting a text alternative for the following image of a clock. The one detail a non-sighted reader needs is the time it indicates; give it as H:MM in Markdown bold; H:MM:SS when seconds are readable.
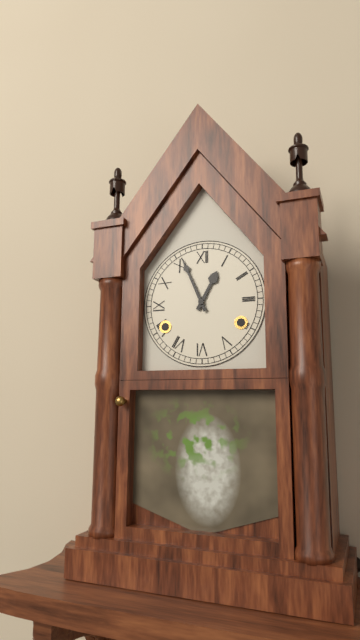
**12:56**
